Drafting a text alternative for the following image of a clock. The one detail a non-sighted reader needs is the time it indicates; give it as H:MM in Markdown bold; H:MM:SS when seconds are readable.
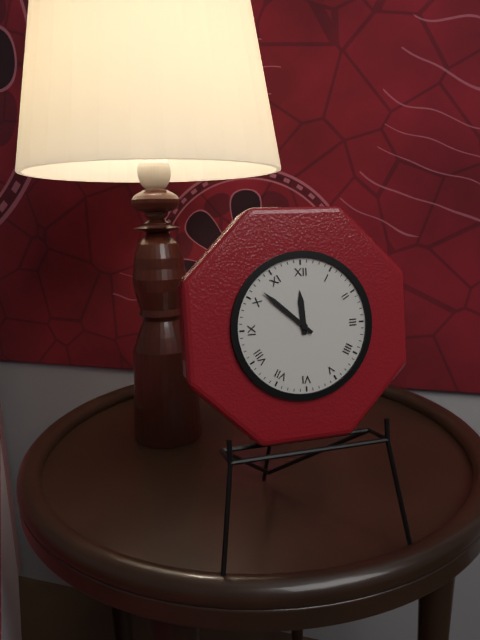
**11:52**
